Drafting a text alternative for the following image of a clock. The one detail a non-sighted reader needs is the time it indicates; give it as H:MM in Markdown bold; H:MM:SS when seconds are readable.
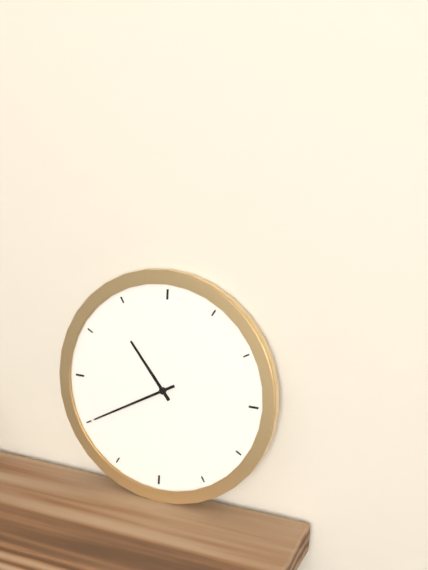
**10:40**
